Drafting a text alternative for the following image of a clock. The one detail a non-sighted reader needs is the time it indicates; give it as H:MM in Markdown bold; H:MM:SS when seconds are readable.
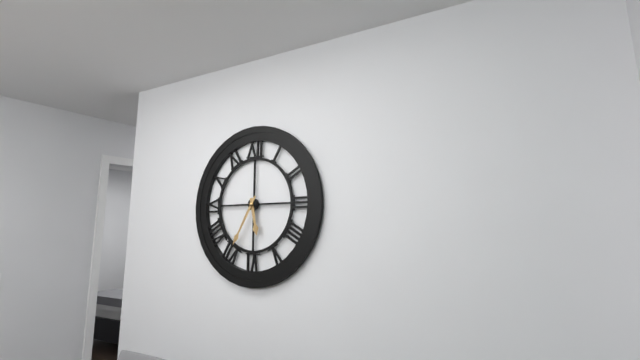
**5:35**
